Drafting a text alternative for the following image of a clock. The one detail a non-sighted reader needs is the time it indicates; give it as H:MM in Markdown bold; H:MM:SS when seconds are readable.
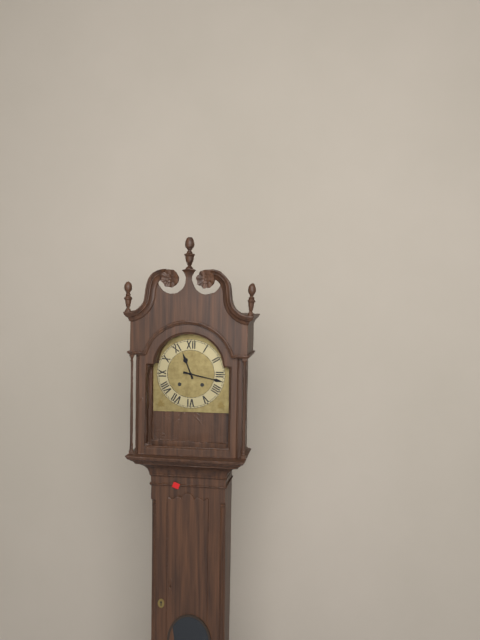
**11:17**
